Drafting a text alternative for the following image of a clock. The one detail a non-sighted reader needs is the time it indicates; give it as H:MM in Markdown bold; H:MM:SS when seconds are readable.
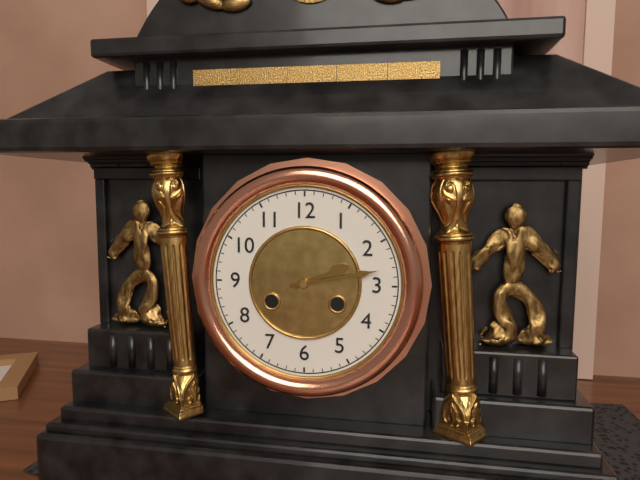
**2:13**
